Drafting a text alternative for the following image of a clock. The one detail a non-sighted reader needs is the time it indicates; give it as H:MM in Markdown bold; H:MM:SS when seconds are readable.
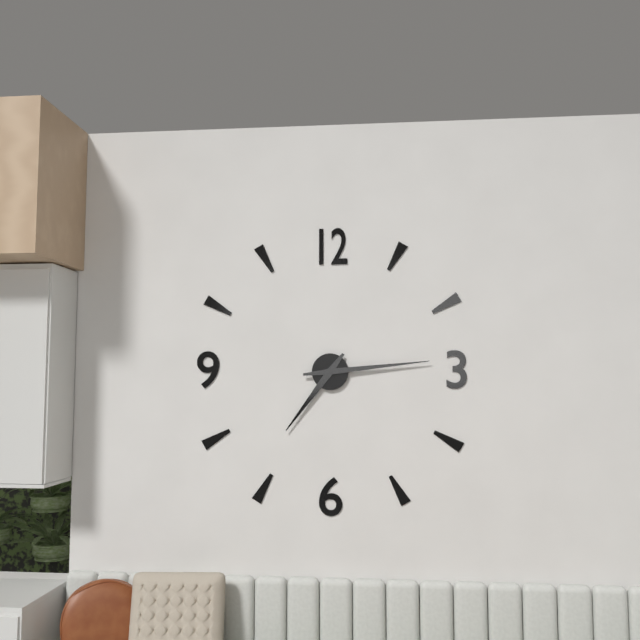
**7:14**
